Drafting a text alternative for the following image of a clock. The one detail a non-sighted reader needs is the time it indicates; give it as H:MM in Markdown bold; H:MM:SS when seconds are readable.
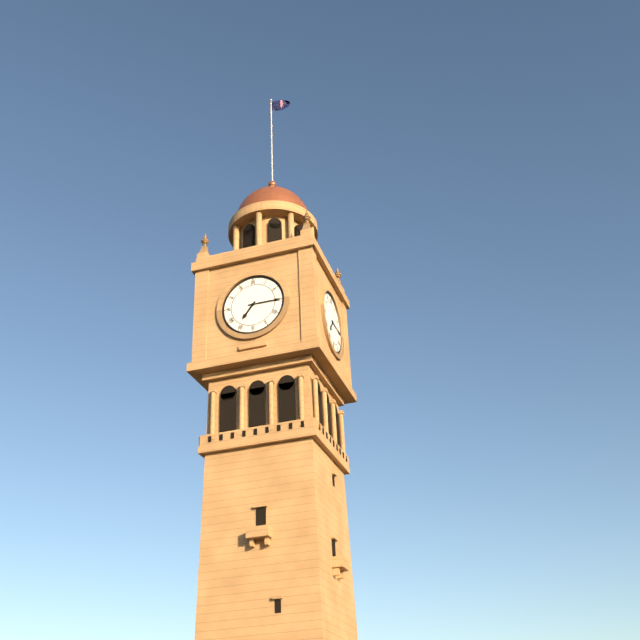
**7:15**
